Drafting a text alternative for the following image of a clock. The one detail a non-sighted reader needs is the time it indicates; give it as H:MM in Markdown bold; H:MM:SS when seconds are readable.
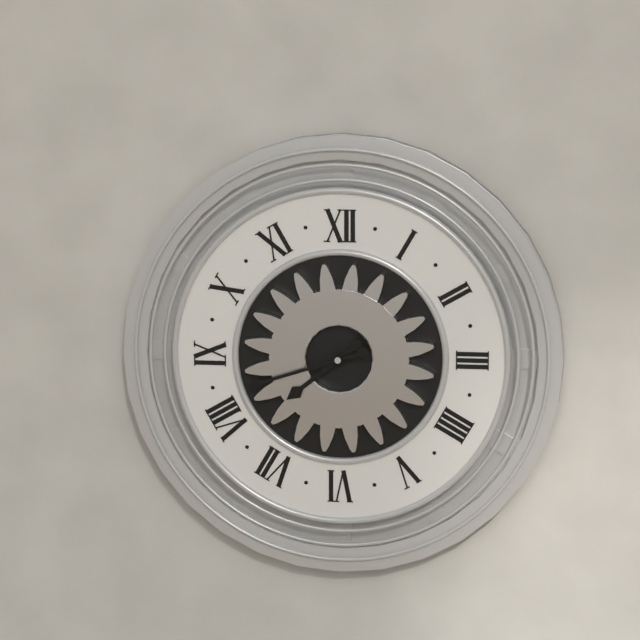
**7:42**
